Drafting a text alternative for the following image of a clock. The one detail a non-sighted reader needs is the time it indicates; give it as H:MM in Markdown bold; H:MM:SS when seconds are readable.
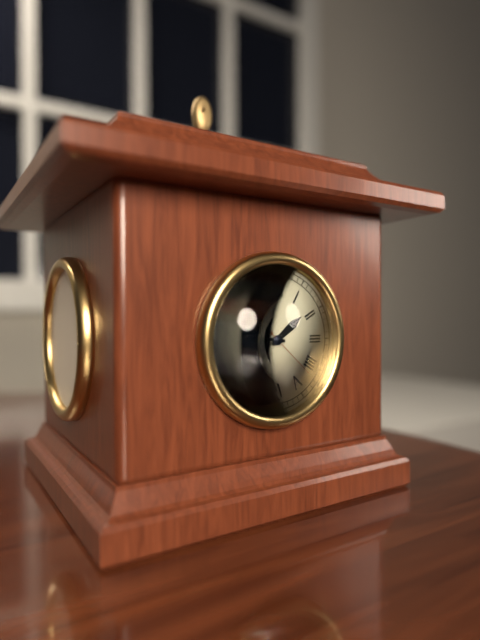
**1:46:22**
